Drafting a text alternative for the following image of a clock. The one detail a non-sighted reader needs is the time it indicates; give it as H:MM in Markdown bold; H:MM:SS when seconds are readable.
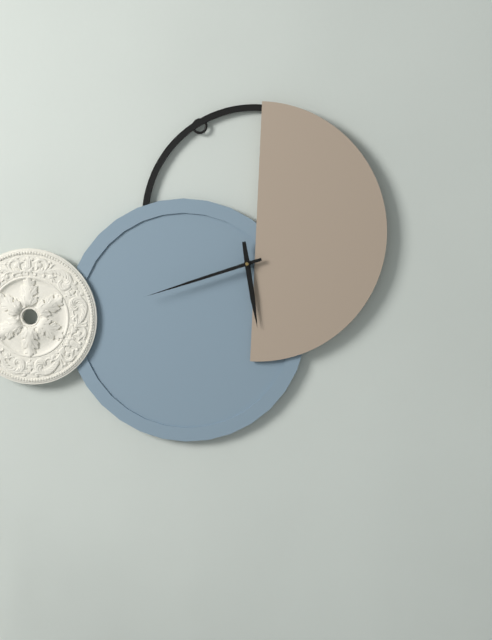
**5:42**
